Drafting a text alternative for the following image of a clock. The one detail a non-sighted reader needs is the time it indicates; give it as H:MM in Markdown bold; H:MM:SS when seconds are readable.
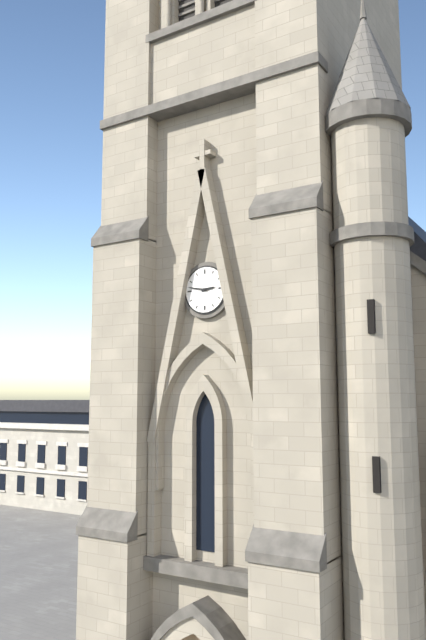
**2:47**
